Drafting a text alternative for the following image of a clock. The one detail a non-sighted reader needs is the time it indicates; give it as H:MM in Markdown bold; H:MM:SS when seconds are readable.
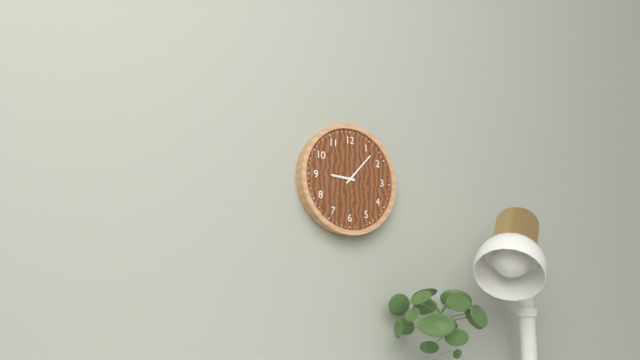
**9:07**
